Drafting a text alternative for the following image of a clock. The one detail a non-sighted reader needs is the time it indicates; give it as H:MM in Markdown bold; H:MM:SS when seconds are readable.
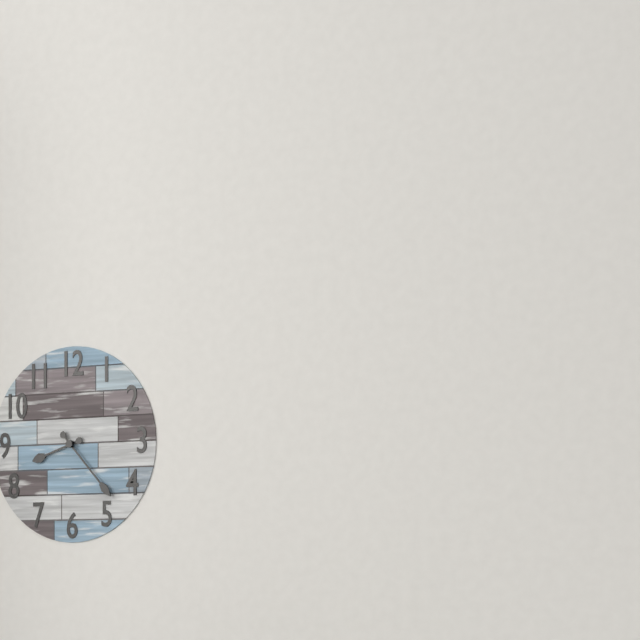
**8:23**
